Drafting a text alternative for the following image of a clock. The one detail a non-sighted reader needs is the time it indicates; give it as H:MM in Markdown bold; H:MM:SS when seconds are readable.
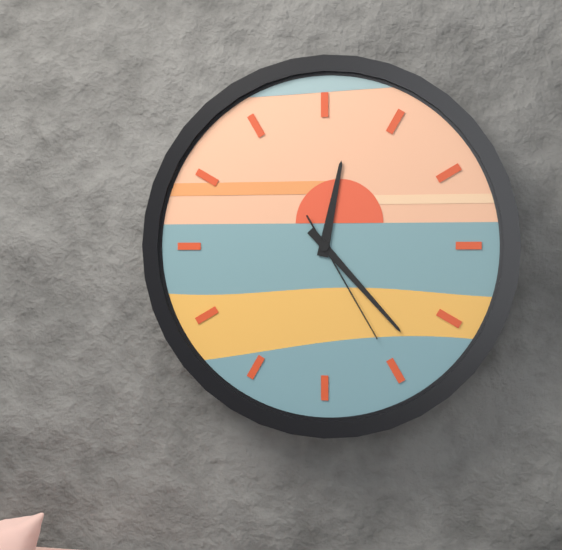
**12:23:25**
